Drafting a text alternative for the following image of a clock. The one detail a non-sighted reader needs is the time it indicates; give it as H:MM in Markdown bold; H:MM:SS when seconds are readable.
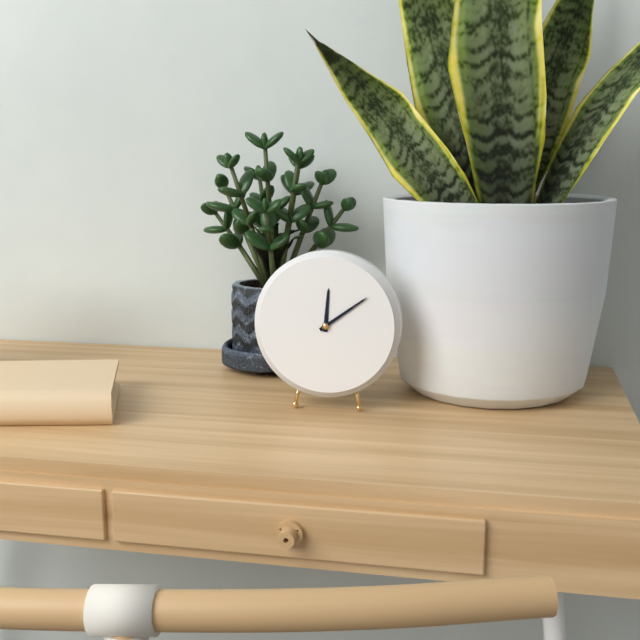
**12:09**
